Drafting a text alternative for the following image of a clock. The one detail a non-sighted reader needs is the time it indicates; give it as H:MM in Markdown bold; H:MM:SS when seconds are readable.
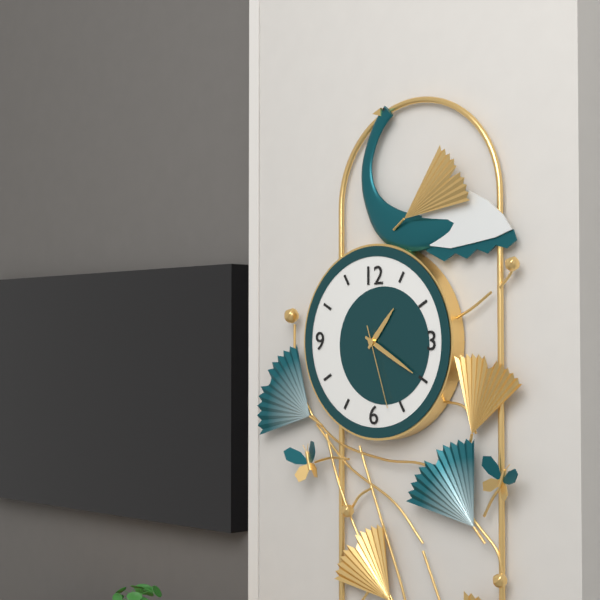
**1:20:27**
